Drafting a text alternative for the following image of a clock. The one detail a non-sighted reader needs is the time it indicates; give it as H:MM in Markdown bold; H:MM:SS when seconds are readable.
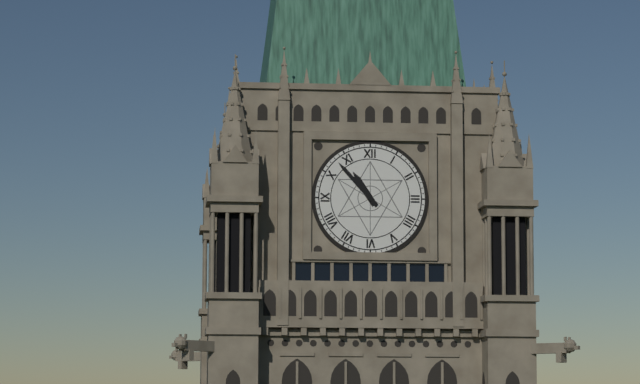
**10:53**
